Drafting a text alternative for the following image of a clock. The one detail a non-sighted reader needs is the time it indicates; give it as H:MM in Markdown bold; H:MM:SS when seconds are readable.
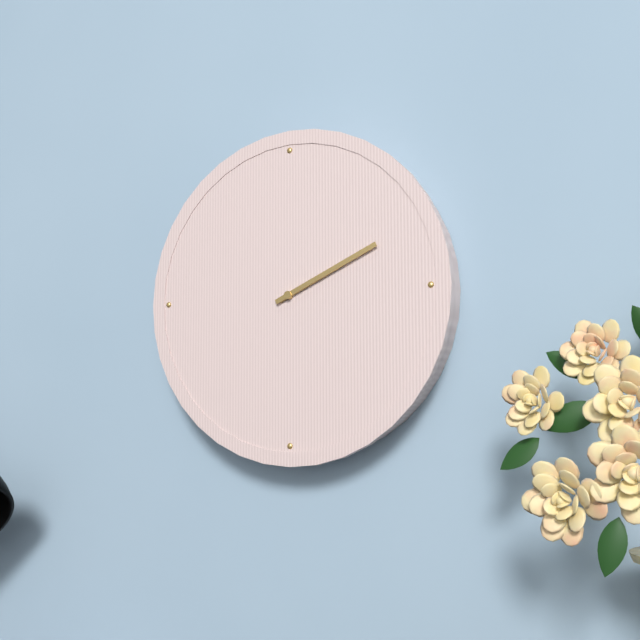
**2:11**
